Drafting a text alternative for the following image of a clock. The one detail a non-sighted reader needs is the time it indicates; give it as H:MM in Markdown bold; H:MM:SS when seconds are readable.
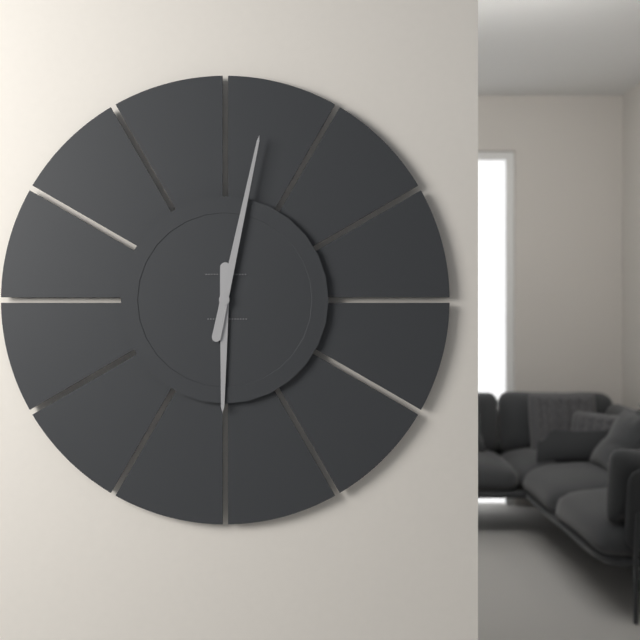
**6:02**
